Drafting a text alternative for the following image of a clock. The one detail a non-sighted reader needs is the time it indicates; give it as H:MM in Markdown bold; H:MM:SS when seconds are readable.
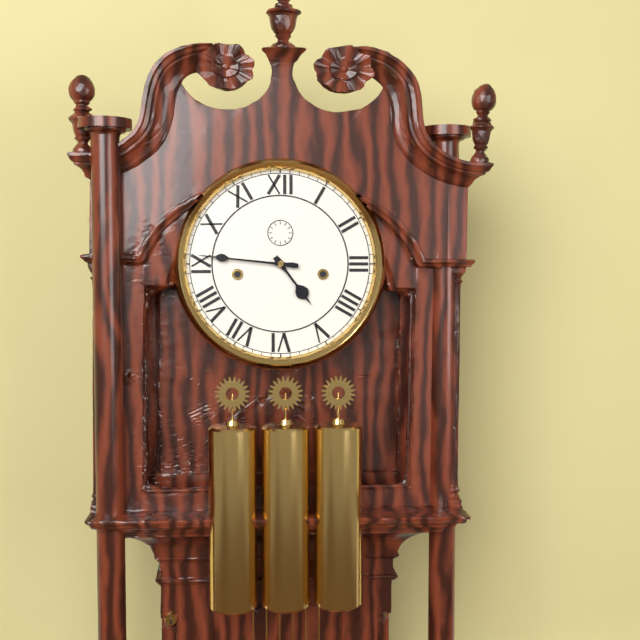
**4:46**
